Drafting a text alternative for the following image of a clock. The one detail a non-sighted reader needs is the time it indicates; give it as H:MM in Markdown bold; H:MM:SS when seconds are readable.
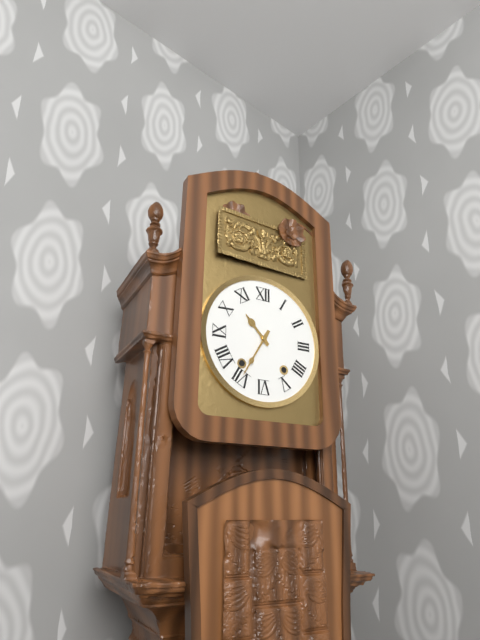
**10:35**
